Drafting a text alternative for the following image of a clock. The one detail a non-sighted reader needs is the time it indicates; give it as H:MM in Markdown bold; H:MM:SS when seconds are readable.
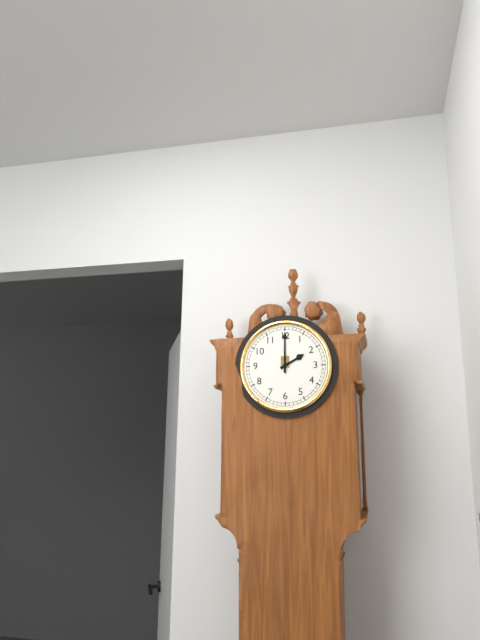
**2:00**
